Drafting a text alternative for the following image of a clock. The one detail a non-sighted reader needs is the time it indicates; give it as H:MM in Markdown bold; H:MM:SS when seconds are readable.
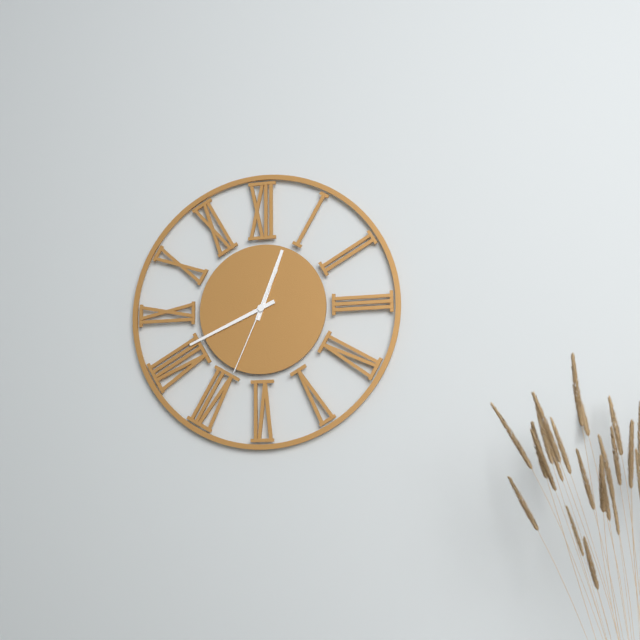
**12:41:34**
